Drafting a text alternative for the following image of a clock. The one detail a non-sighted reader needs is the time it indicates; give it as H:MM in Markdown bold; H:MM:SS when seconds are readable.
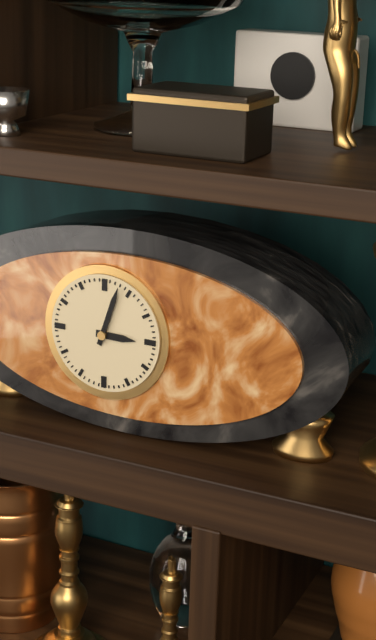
**3:03**
